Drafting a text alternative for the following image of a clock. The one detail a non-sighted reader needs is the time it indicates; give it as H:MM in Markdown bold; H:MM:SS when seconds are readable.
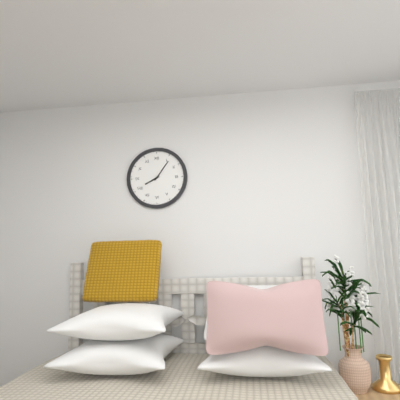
**8:06**
